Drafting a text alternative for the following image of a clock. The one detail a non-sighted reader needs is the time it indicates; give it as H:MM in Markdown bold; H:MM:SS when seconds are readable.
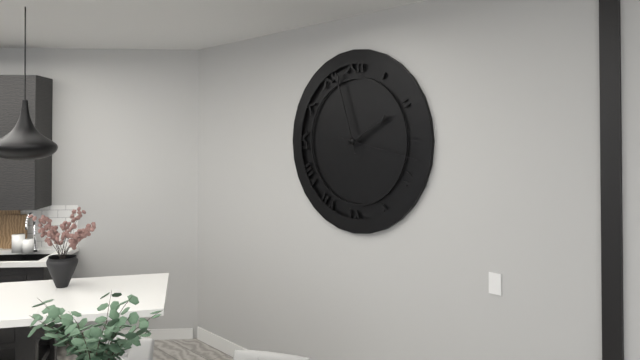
**1:57:17**
